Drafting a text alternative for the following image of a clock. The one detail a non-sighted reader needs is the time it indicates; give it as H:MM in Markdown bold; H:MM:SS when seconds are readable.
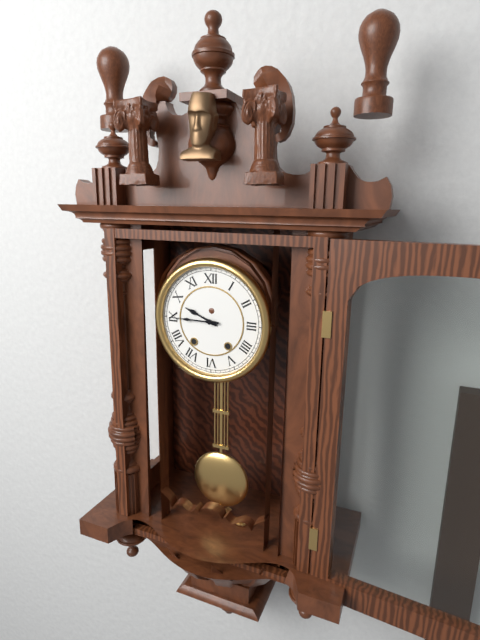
**9:45**
